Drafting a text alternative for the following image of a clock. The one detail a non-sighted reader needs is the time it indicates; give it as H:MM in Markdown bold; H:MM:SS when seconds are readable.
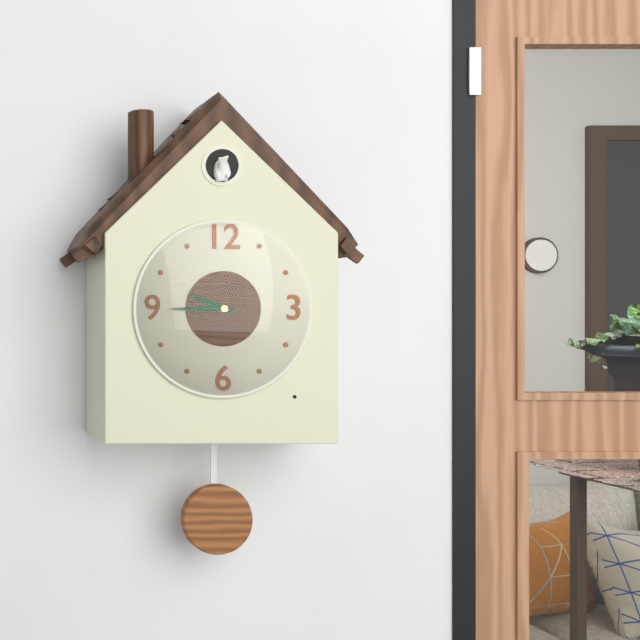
**9:45**
